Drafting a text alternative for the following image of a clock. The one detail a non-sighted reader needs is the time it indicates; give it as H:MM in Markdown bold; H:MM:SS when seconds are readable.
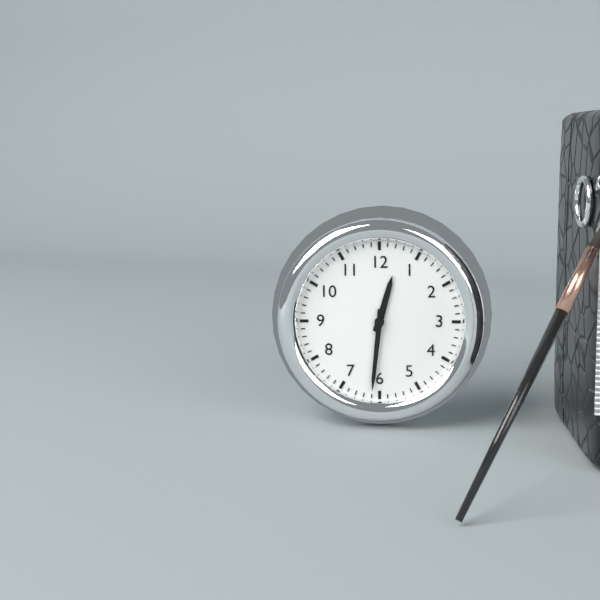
**12:31**
